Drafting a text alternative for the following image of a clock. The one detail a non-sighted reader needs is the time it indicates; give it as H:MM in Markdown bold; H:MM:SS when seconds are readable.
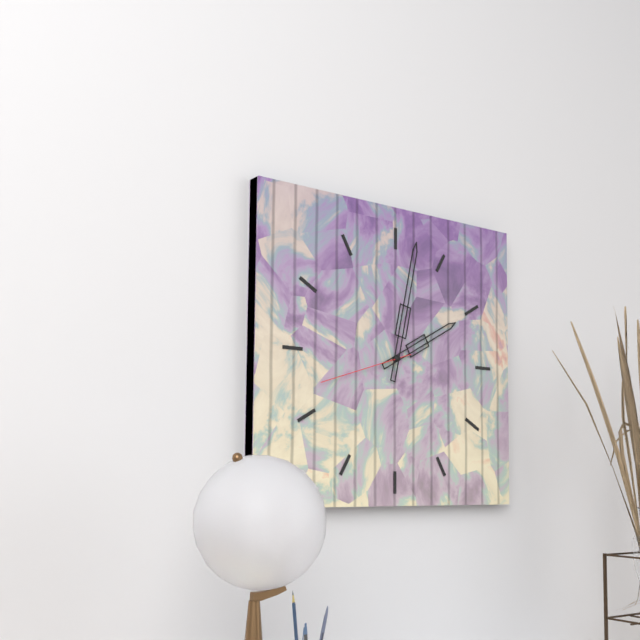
**2:02:42**
